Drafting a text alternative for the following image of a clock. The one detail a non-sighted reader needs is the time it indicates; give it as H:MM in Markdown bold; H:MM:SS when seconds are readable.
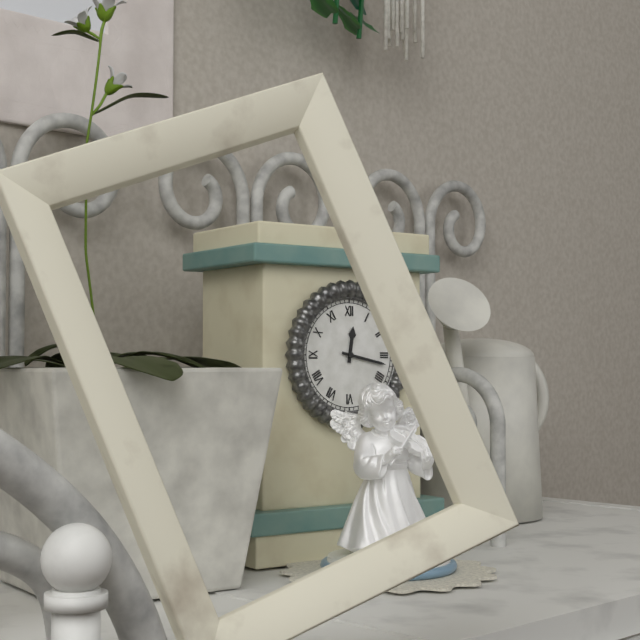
**12:17**
